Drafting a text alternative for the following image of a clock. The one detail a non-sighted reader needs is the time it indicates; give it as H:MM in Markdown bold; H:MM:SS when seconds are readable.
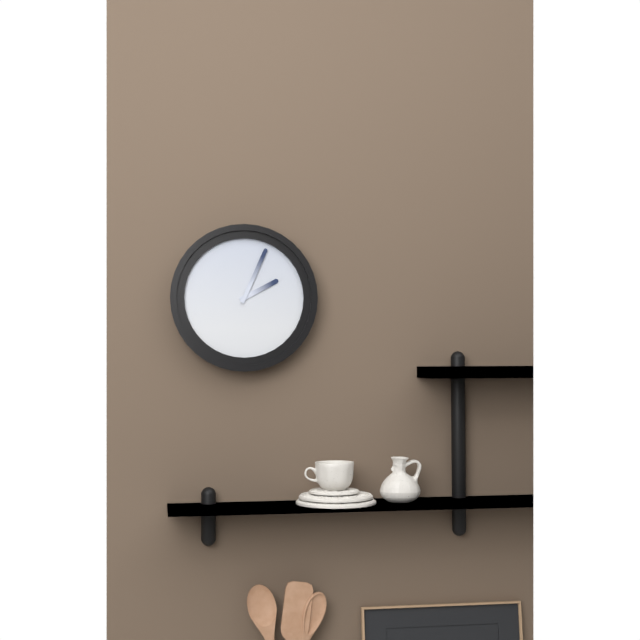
**2:04**
